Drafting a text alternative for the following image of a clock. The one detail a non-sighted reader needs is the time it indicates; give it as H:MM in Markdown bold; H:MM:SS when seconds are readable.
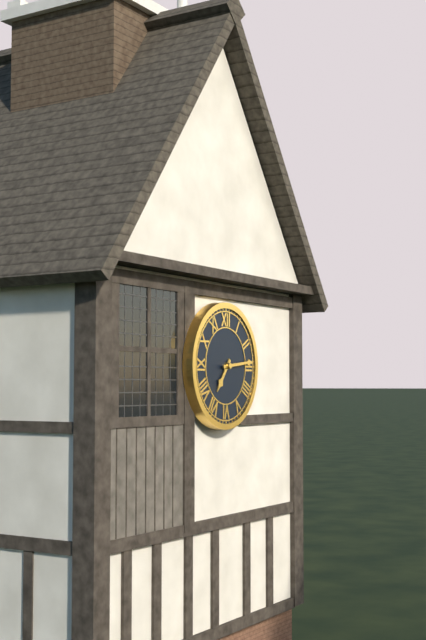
**7:14**
